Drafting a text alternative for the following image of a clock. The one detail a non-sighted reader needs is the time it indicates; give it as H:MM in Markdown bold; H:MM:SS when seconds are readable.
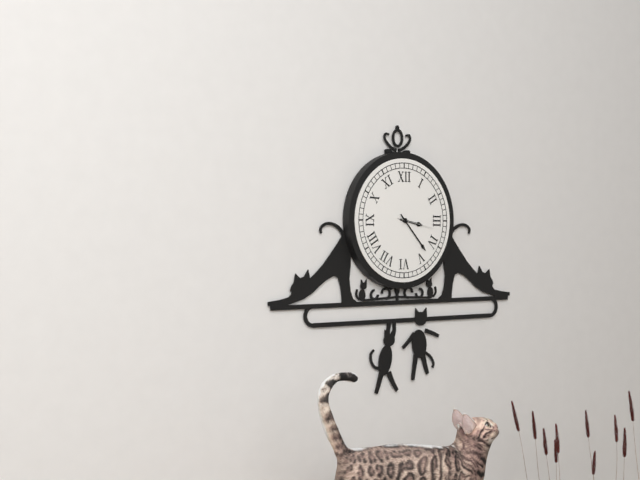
**3:23**
